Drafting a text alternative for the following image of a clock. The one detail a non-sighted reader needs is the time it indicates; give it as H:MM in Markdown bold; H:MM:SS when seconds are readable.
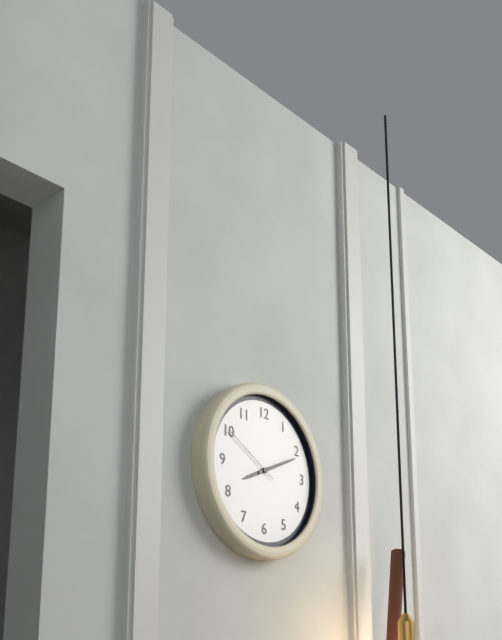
**8:11:50**
